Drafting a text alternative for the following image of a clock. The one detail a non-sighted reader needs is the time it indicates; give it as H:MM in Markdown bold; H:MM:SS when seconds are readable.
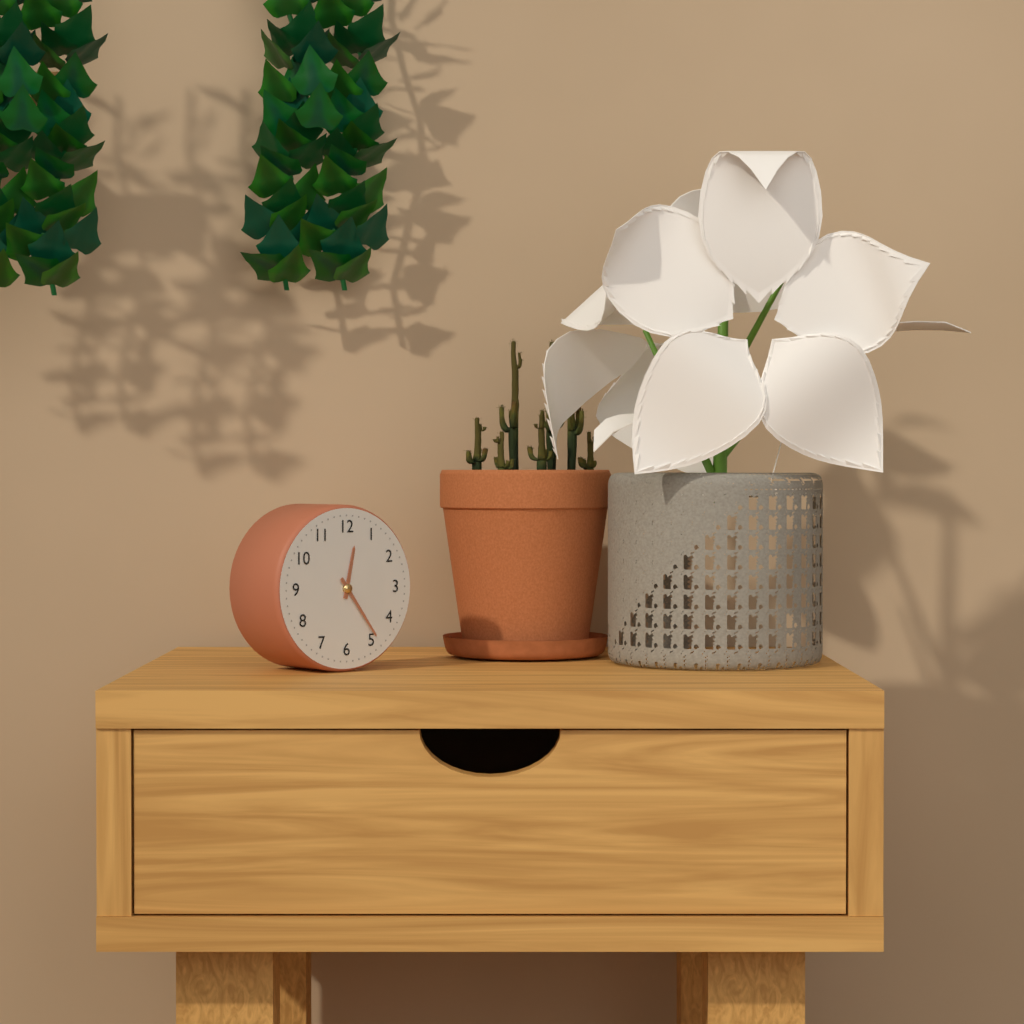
**12:24**
